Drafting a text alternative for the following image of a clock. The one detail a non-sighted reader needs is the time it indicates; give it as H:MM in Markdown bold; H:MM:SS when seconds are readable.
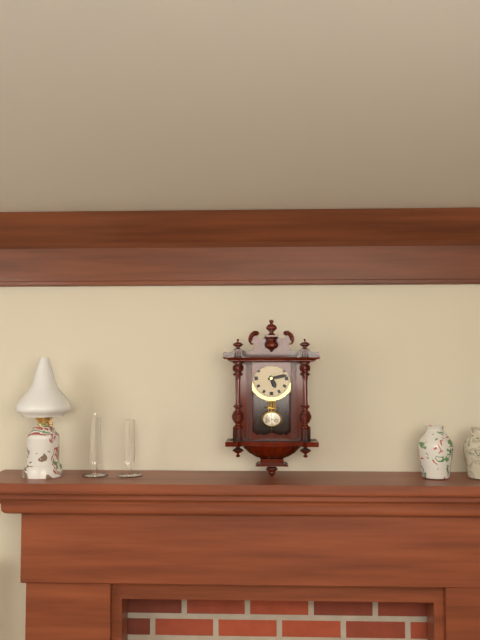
**5:13**
